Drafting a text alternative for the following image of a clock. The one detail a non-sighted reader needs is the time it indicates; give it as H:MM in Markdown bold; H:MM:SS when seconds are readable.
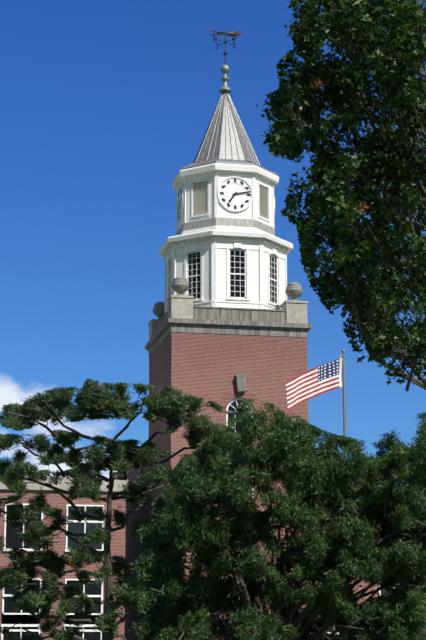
**7:13**
